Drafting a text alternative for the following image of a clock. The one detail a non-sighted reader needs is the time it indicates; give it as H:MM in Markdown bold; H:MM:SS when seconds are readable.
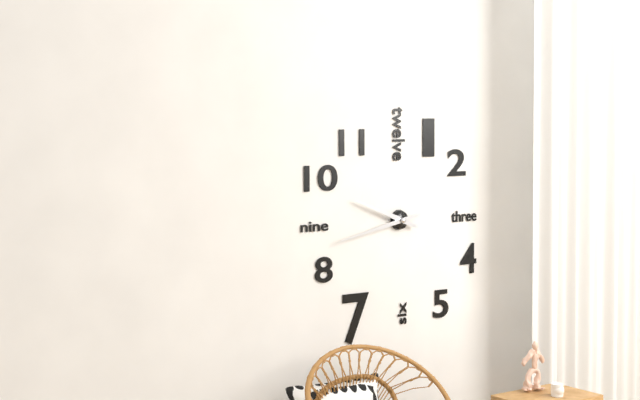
**9:43**
